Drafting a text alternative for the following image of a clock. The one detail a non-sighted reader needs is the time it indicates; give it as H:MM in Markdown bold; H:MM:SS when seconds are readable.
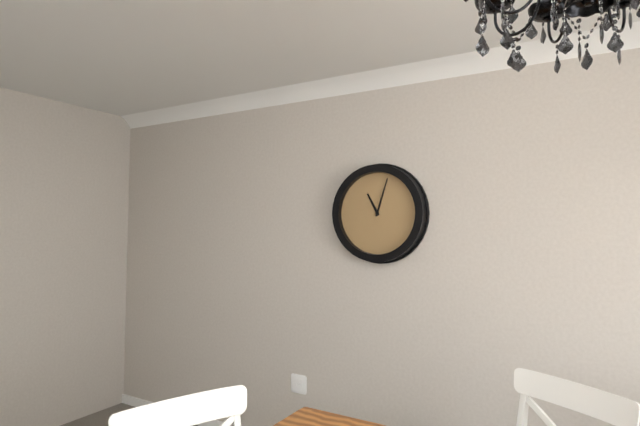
**11:03**
